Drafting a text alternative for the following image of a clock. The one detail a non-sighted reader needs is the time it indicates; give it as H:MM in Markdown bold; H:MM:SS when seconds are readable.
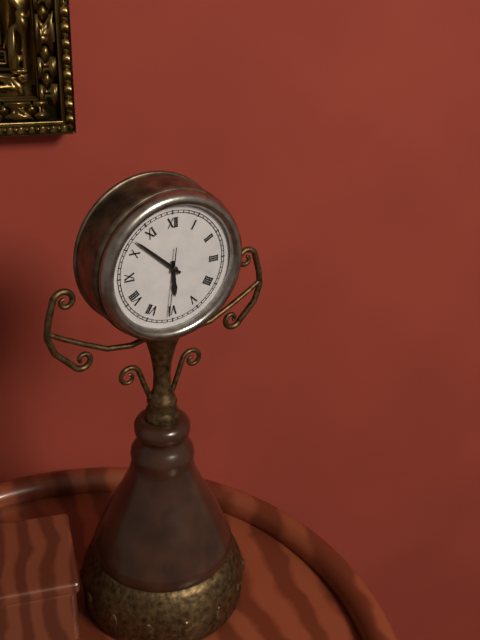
**5:52:31**
